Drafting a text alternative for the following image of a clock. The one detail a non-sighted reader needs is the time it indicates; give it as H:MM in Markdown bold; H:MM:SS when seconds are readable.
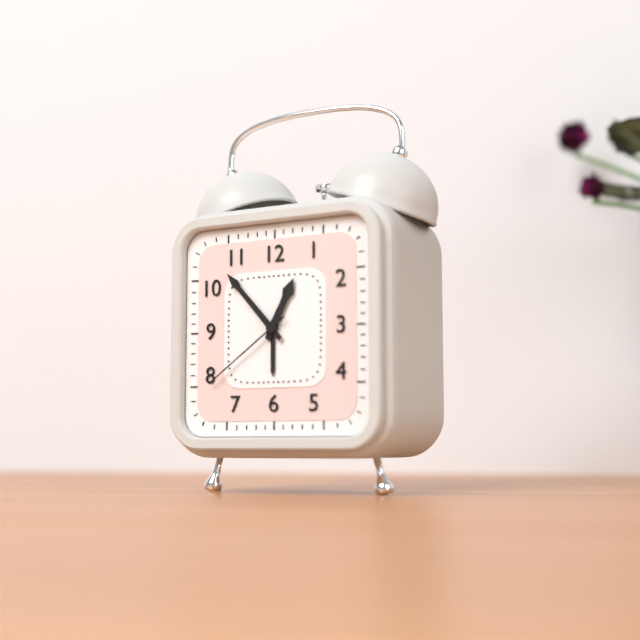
**12:53:39**
